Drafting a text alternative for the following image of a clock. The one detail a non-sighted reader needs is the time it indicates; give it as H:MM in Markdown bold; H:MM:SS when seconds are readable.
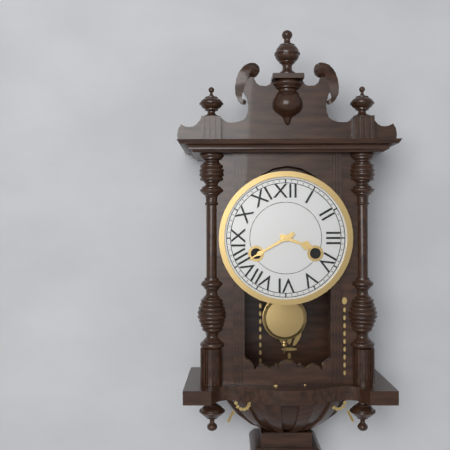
**3:40**
